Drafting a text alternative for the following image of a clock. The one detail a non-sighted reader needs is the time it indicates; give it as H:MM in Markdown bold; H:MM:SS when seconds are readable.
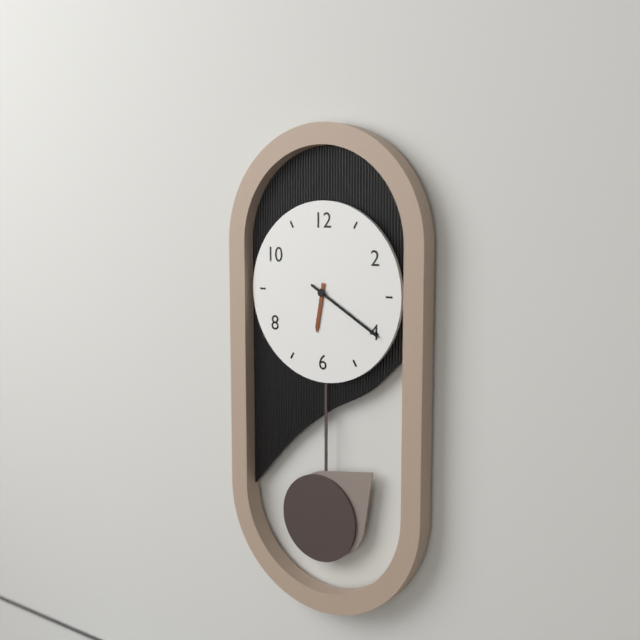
**6:20**
